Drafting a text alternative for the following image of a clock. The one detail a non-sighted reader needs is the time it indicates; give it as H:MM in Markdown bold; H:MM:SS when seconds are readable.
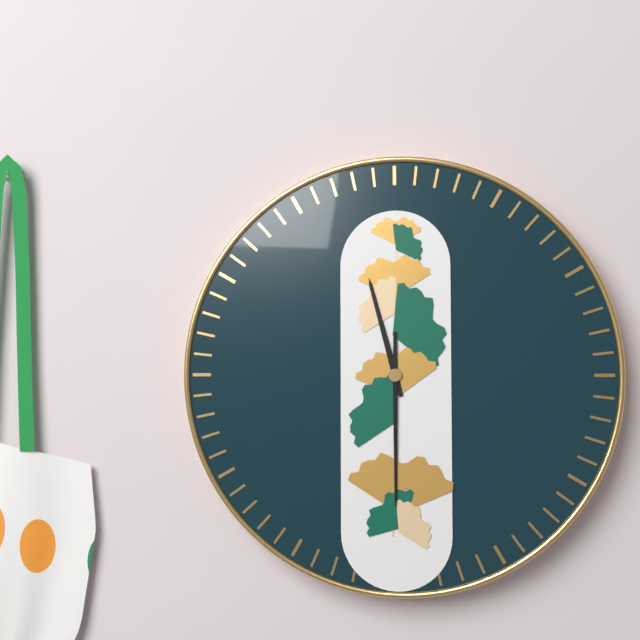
**11:30**
